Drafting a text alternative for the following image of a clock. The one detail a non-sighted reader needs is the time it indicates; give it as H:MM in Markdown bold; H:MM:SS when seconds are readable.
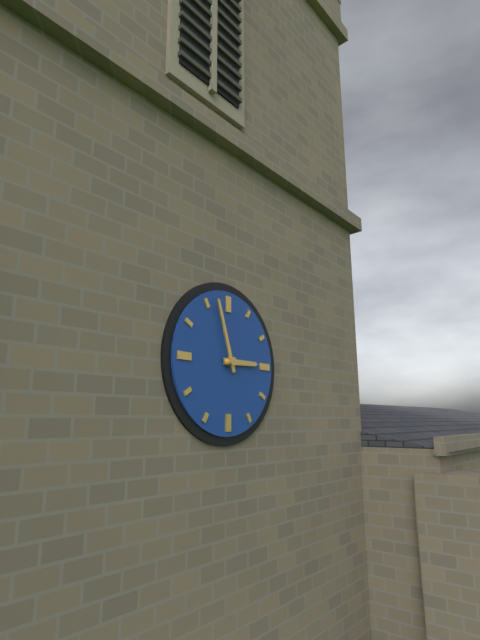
**2:57**
